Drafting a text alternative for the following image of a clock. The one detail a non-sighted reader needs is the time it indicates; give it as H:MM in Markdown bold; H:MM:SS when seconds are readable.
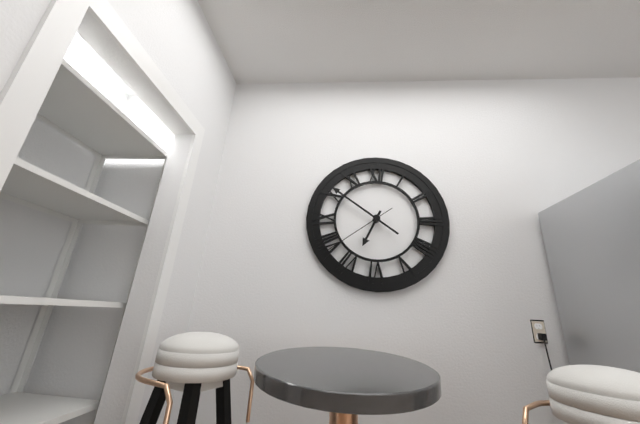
**6:51:39**
